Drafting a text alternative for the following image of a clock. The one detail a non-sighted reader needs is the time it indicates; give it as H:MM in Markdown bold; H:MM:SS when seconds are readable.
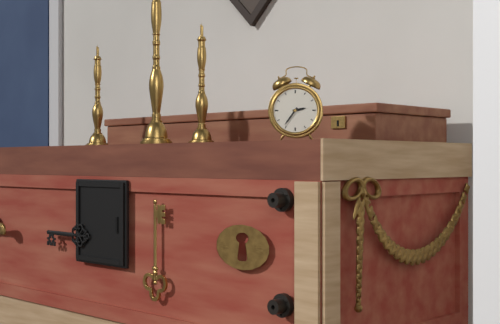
**2:36**
